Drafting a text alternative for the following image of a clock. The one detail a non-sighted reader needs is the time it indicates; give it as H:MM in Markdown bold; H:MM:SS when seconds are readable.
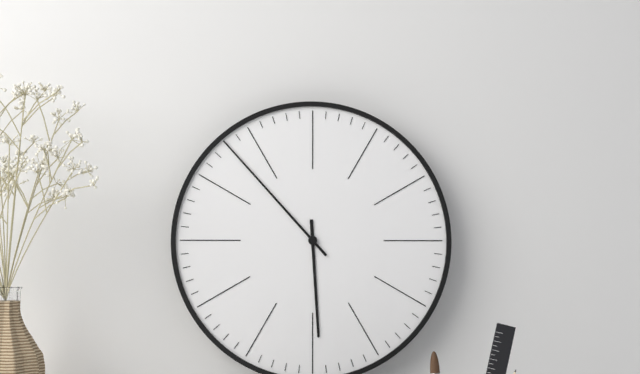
**5:53**
